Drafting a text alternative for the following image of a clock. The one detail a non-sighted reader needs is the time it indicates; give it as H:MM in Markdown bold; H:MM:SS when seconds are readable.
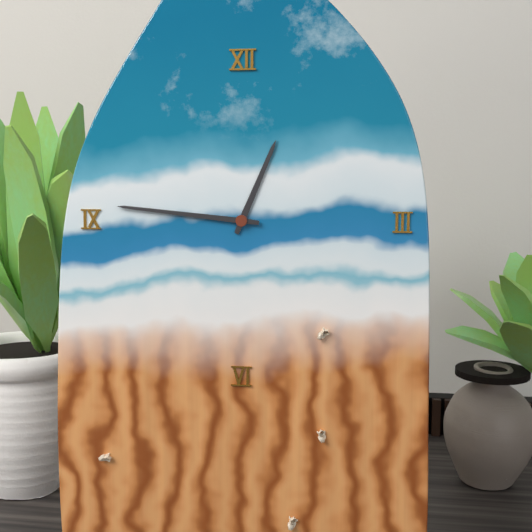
**12:46**
